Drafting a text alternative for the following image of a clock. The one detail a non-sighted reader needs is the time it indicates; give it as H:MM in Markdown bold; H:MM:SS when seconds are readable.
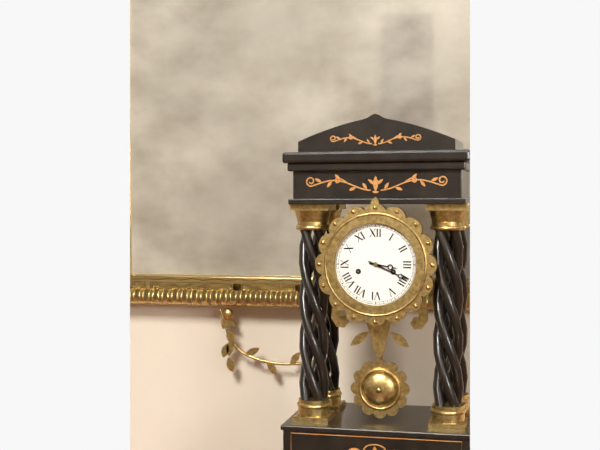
**3:19**
